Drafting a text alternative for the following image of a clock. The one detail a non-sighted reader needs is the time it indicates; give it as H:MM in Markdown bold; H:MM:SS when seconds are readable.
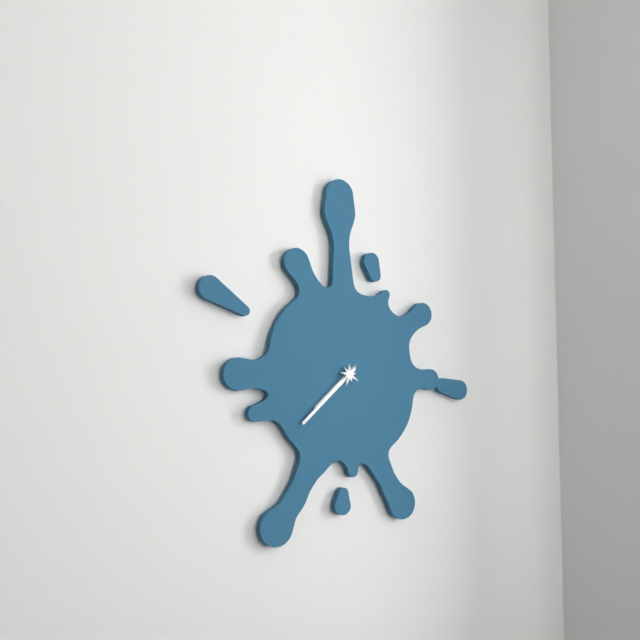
**7:38**
